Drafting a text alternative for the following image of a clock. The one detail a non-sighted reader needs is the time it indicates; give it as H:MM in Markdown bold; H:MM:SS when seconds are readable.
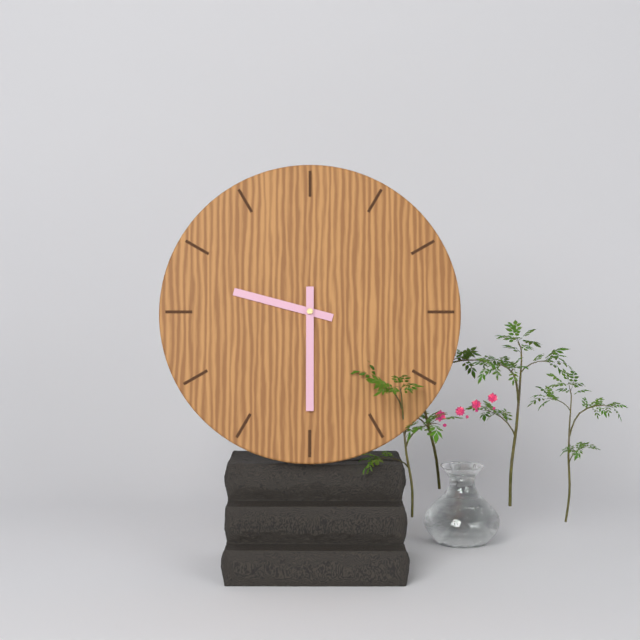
**9:30**
